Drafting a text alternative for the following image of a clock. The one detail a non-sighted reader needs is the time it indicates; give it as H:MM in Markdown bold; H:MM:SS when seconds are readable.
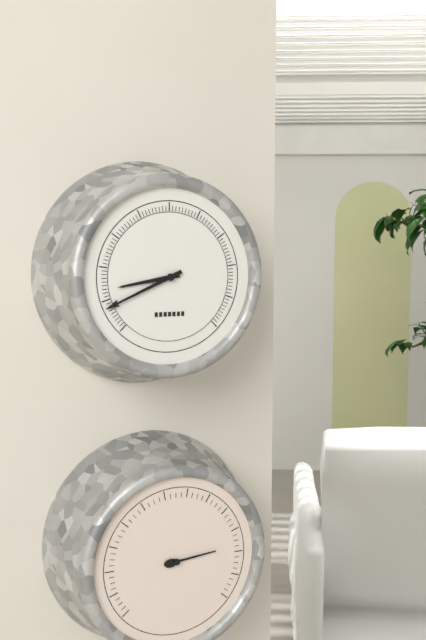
**8:41**
